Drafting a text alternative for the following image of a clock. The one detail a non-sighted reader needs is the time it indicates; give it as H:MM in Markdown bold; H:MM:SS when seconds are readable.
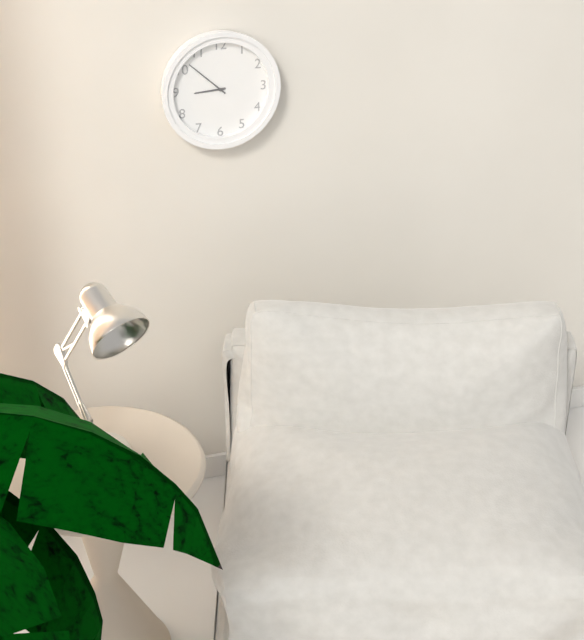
**8:52**
